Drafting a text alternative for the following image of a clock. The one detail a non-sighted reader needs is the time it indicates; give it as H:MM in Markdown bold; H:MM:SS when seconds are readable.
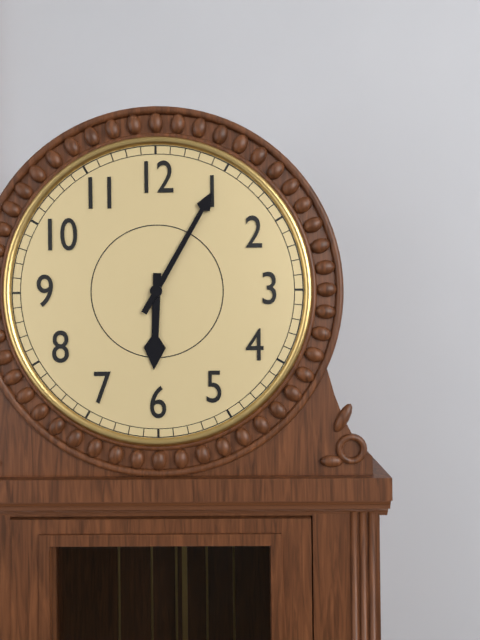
**6:05**
